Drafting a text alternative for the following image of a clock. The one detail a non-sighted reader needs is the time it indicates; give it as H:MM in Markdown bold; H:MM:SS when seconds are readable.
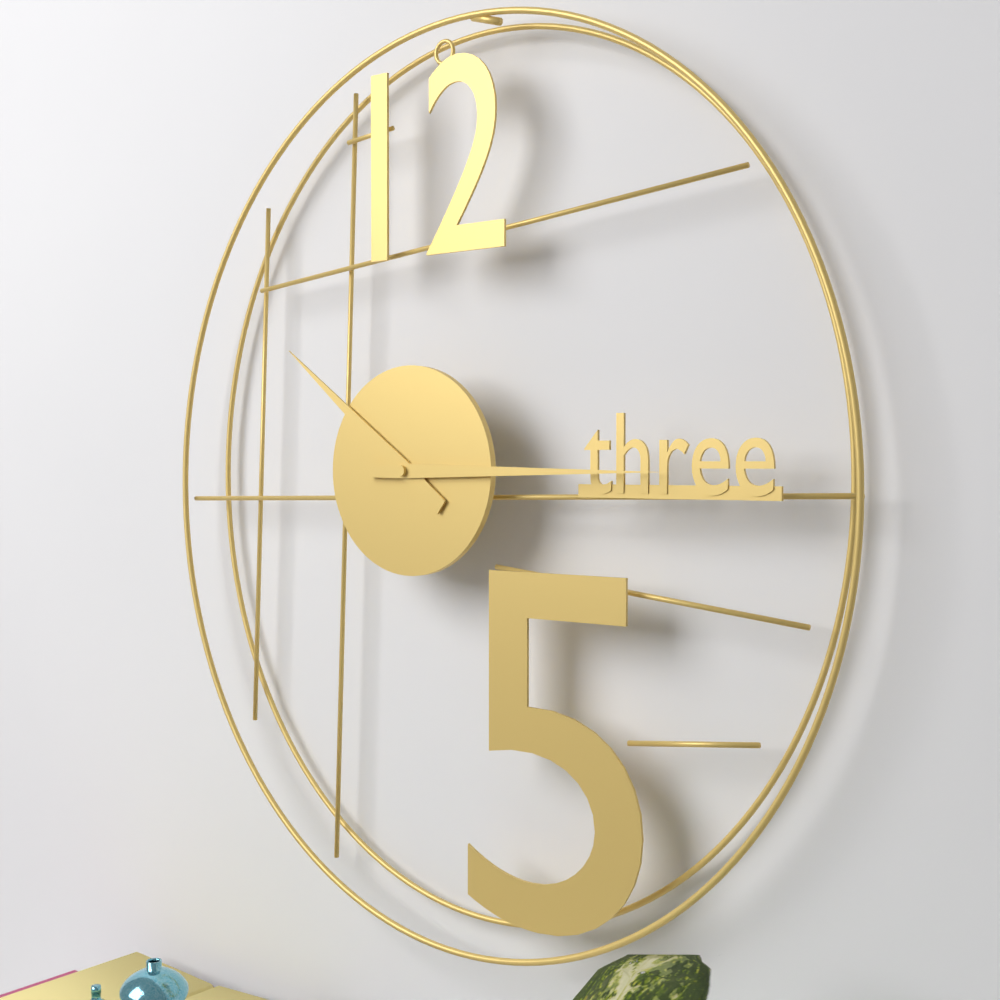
**10:15**
